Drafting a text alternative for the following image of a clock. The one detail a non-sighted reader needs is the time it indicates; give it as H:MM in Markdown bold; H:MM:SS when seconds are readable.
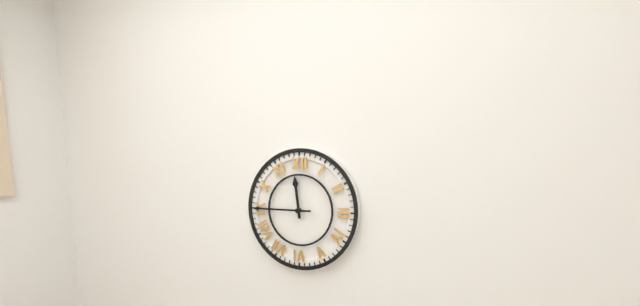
**11:45**
